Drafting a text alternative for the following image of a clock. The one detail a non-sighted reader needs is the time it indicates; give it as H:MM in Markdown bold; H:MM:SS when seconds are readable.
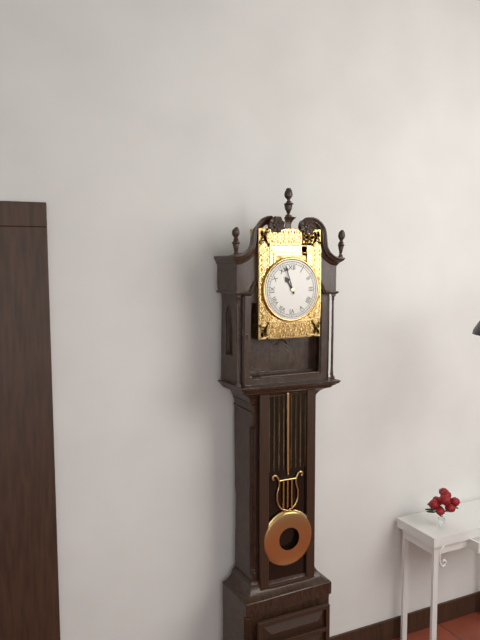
**10:57**
